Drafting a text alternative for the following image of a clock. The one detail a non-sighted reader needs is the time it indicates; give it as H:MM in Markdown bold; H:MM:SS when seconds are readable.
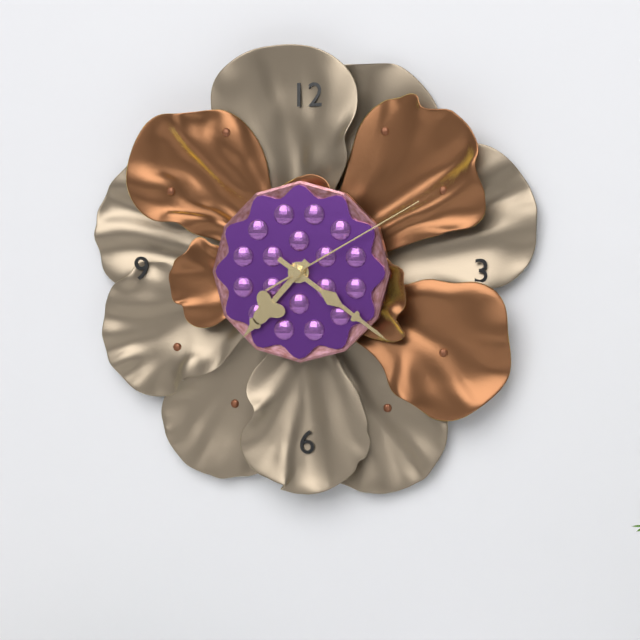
**7:21:10**
